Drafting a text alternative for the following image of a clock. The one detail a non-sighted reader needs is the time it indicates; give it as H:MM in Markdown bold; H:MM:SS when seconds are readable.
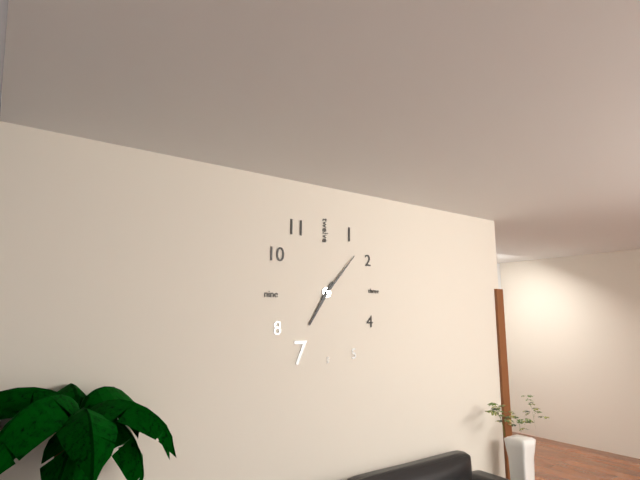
**7:07**
